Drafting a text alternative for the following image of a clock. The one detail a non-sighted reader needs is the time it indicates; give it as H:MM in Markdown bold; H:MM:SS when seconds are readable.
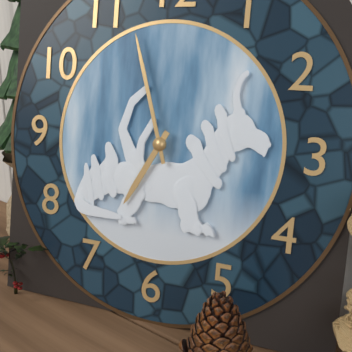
**6:57**
